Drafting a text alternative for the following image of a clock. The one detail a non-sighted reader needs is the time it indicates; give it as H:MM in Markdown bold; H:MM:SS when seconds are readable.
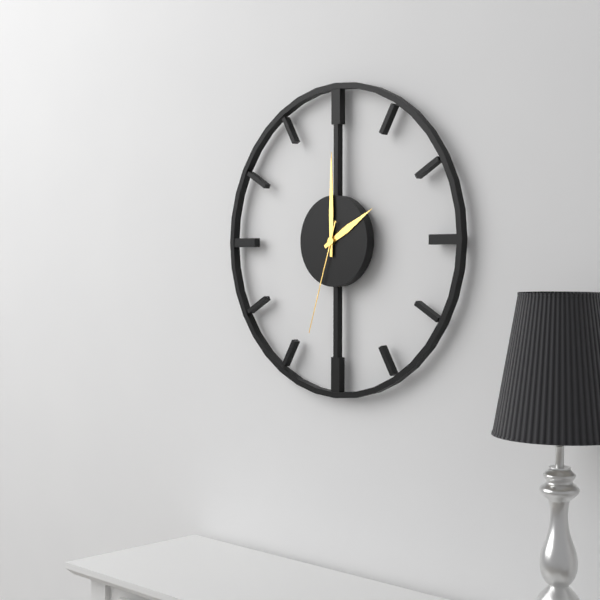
**2:00:33**
